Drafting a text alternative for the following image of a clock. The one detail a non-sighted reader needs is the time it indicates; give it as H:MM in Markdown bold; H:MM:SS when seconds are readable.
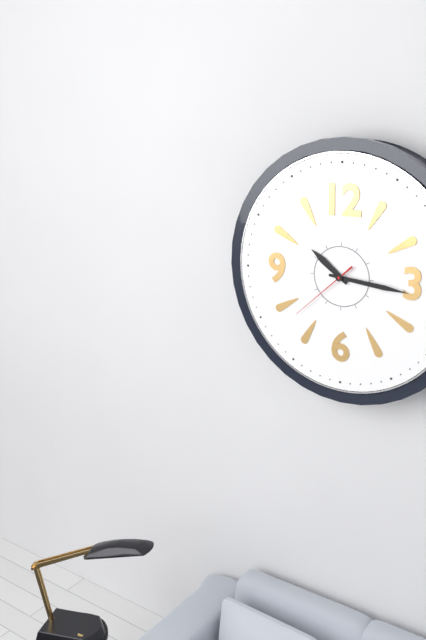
**10:16:38**
